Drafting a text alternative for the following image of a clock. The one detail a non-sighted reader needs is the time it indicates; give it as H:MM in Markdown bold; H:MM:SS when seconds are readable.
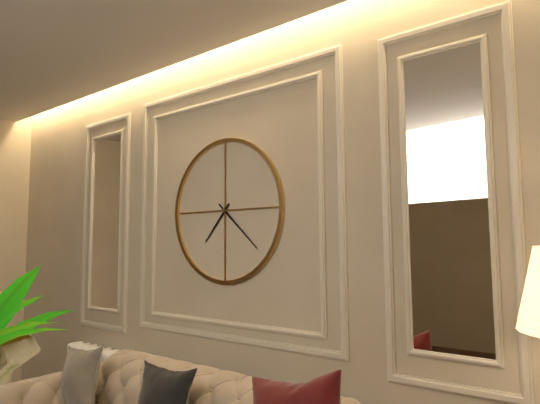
**7:22**
